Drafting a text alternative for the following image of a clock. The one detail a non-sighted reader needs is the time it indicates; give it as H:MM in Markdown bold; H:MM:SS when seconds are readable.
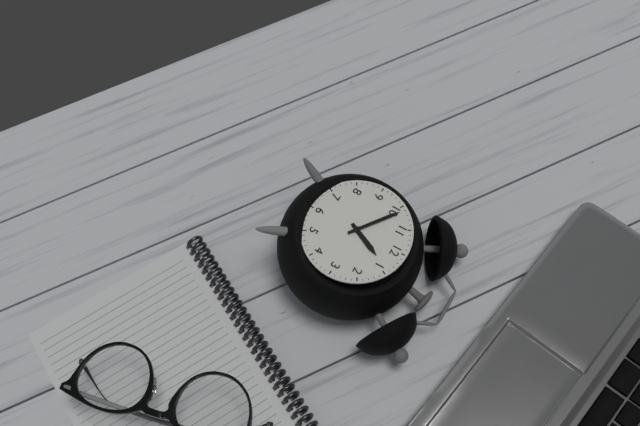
**12:51**
